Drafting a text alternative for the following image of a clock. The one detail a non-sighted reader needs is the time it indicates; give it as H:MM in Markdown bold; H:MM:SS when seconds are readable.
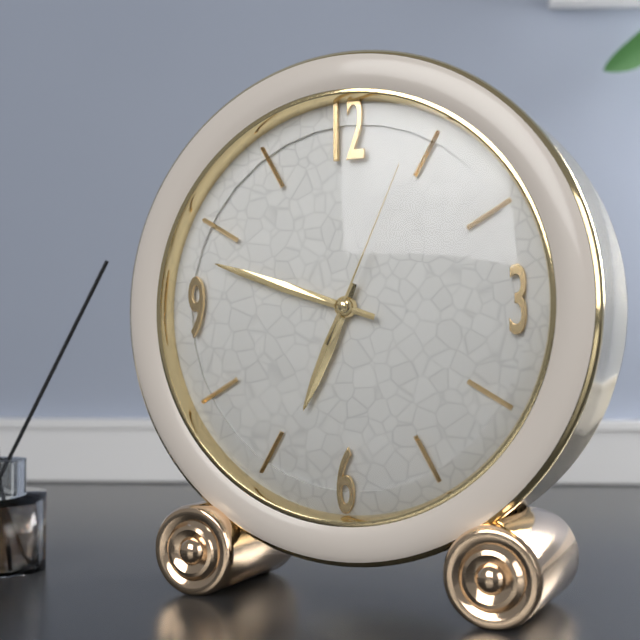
**6:48:04**
